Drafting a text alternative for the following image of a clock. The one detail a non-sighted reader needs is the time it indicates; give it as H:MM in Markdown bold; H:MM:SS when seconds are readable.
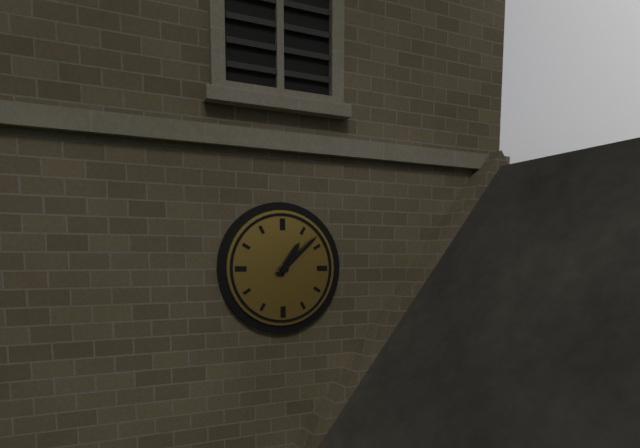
**1:08**
